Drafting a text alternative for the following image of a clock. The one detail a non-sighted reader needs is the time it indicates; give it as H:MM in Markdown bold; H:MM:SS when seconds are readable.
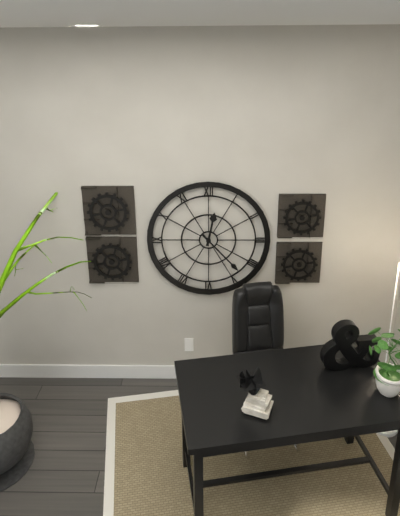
**12:23**
